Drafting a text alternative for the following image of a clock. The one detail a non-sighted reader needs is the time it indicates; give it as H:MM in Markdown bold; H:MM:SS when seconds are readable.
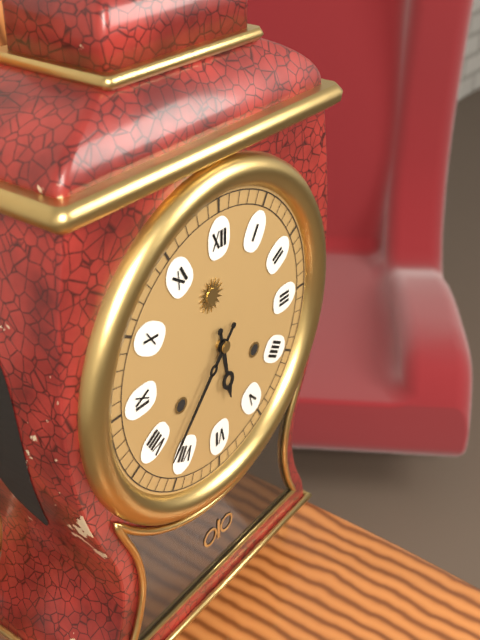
**5:37**
